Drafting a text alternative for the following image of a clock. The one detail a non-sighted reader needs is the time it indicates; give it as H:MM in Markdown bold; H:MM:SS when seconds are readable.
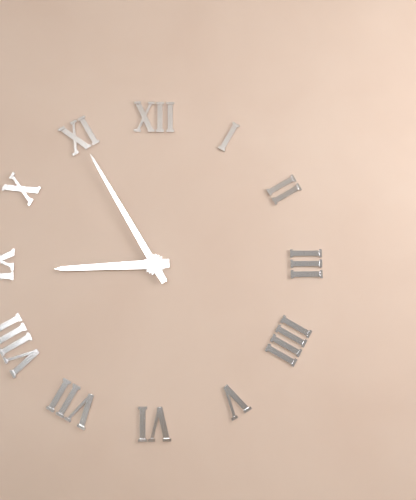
**8:55**
